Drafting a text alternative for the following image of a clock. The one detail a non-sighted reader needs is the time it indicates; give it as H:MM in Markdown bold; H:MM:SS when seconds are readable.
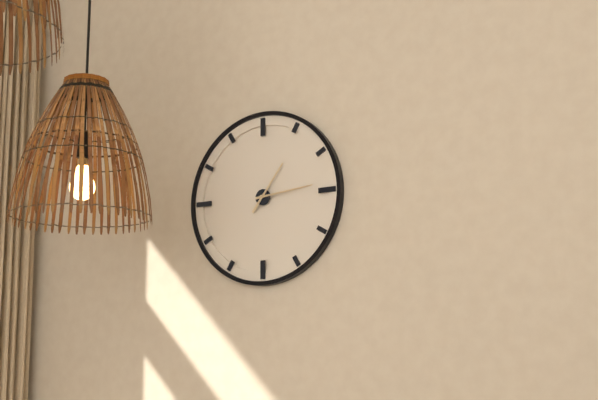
**1:14**
